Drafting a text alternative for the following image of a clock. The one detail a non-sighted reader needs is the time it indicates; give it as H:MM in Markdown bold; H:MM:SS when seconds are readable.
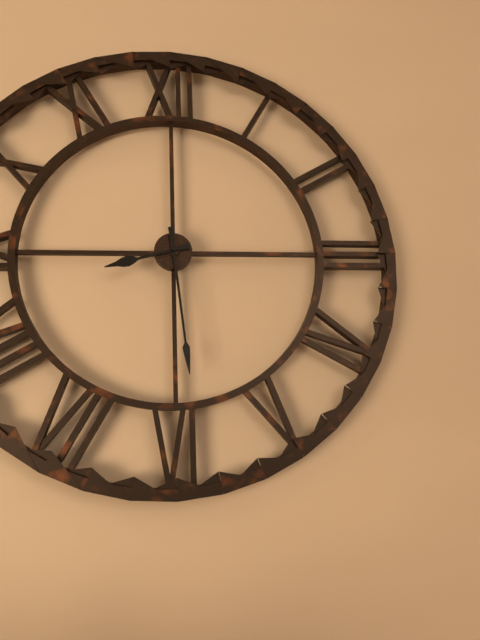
**8:29**
